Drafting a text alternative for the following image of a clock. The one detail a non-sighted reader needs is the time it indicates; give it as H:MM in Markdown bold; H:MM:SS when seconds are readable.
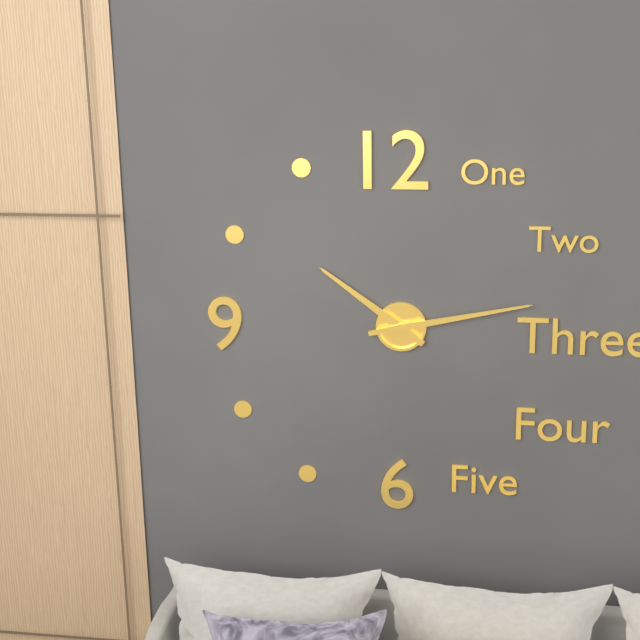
**10:13**
